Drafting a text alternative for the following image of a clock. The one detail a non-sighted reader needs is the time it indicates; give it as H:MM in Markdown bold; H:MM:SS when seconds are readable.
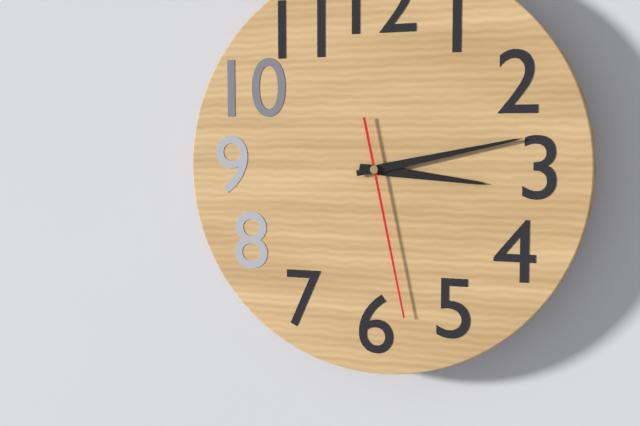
**3:13:28**
